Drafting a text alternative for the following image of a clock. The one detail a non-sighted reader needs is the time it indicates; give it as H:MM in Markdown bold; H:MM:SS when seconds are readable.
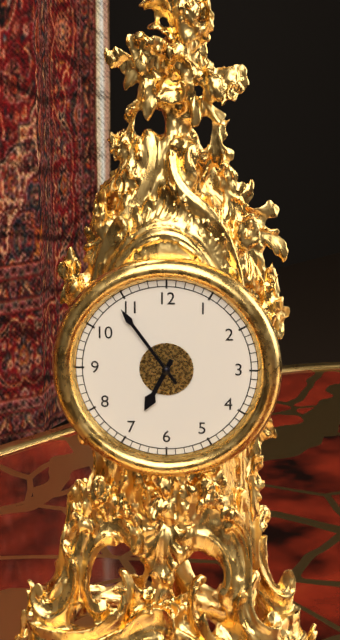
**6:54**
